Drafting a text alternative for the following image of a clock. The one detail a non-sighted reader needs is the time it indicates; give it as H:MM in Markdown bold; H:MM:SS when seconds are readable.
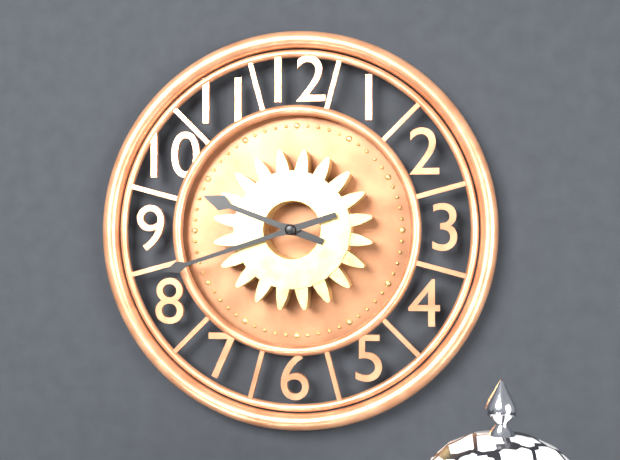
**9:42**
